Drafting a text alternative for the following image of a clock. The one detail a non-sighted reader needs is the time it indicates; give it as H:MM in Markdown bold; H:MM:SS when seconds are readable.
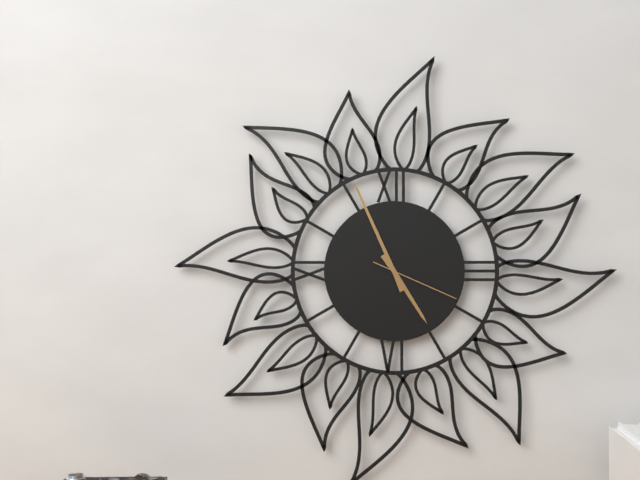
**4:56:19**
